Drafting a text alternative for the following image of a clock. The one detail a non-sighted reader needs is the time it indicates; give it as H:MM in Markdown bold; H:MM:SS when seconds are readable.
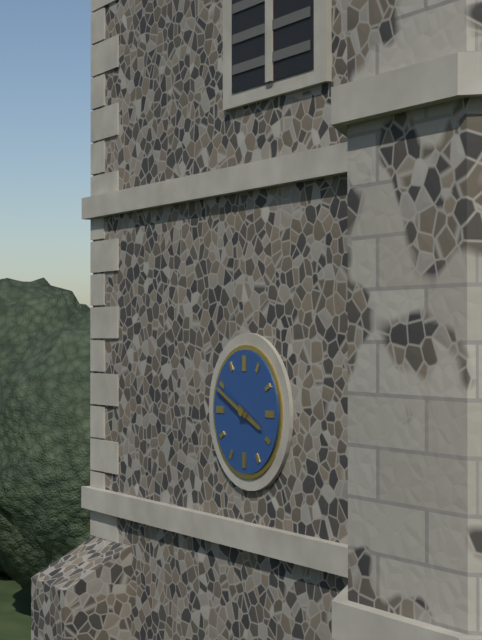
**3:49**
